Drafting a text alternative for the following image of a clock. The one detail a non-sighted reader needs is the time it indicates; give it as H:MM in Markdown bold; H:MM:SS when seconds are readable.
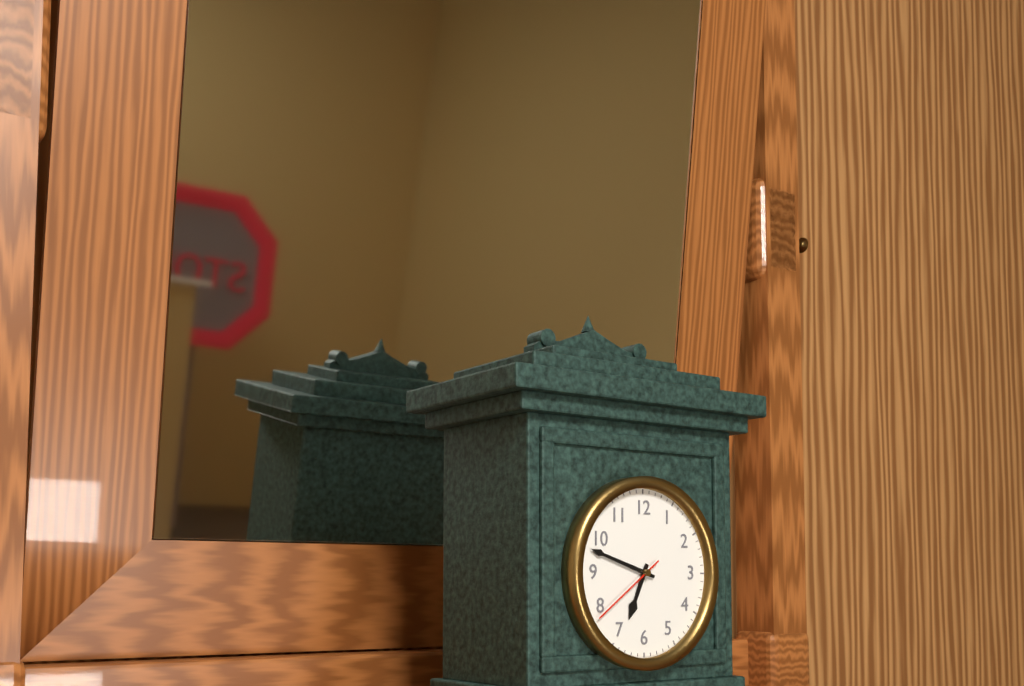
**6:48:39**
